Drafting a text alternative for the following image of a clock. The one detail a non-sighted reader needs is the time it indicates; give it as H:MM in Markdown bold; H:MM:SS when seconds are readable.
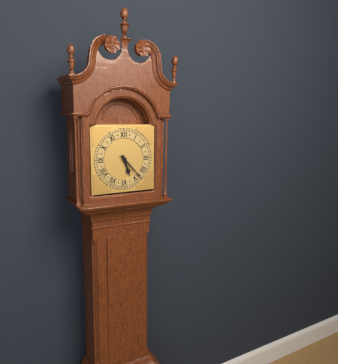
**5:23**
